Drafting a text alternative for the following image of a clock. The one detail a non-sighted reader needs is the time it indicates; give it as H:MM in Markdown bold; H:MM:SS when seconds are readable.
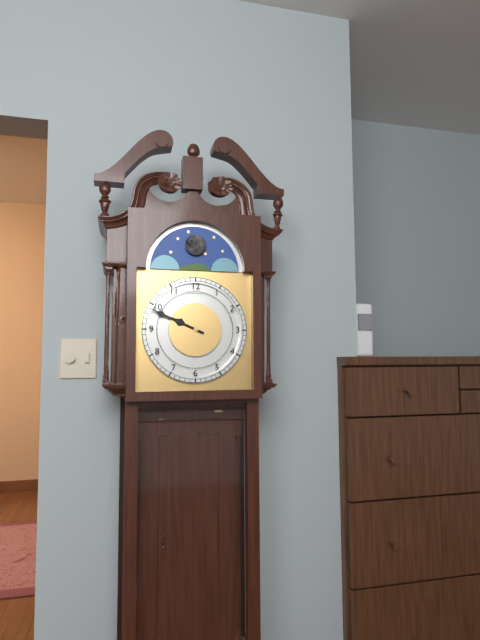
**9:49**
